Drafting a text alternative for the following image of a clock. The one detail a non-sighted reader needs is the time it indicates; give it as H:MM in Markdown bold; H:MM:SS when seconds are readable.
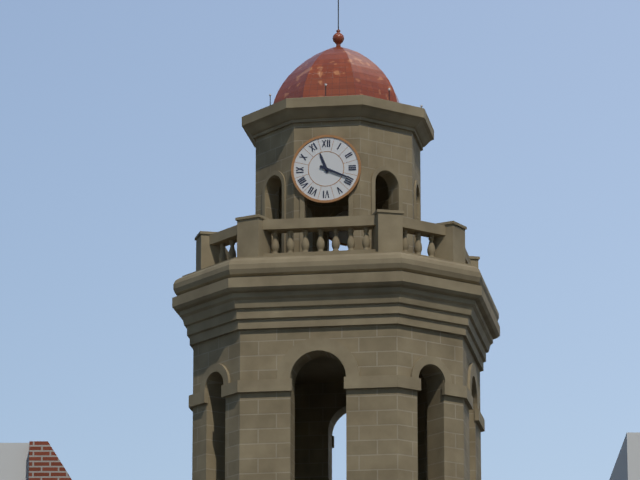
**11:19**
